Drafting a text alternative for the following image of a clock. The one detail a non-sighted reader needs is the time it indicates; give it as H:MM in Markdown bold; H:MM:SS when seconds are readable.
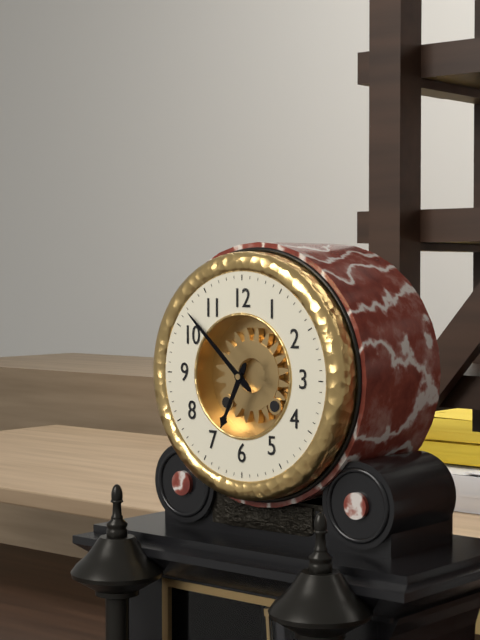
**6:52**
